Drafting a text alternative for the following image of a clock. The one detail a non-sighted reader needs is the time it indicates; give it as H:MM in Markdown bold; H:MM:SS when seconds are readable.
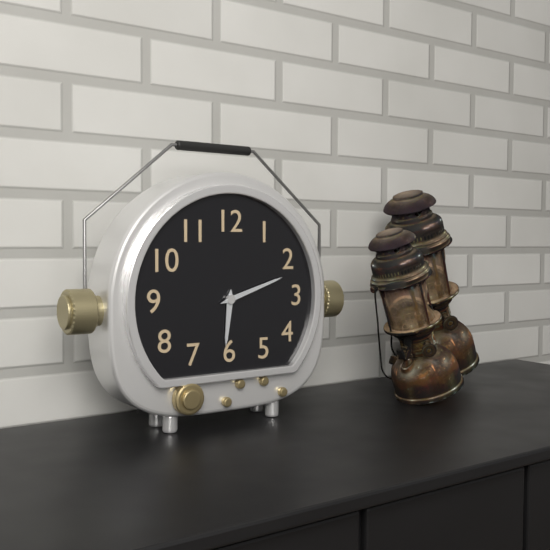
**6:12**
